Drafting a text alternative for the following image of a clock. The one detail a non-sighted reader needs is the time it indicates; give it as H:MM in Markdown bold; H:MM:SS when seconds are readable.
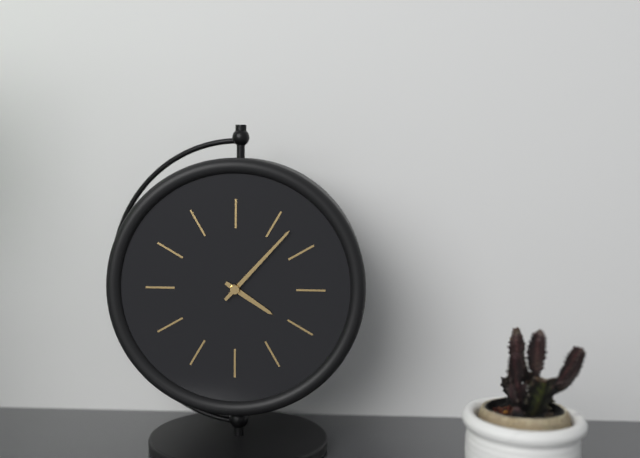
**4:07**
